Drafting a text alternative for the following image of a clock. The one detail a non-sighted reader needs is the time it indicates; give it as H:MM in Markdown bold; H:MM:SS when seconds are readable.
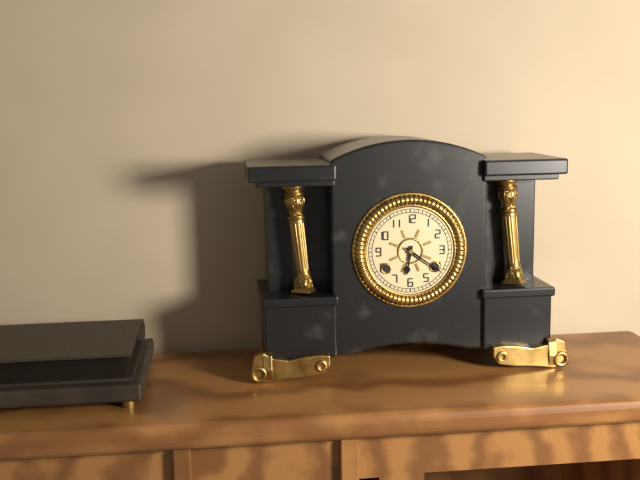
**6:21**
